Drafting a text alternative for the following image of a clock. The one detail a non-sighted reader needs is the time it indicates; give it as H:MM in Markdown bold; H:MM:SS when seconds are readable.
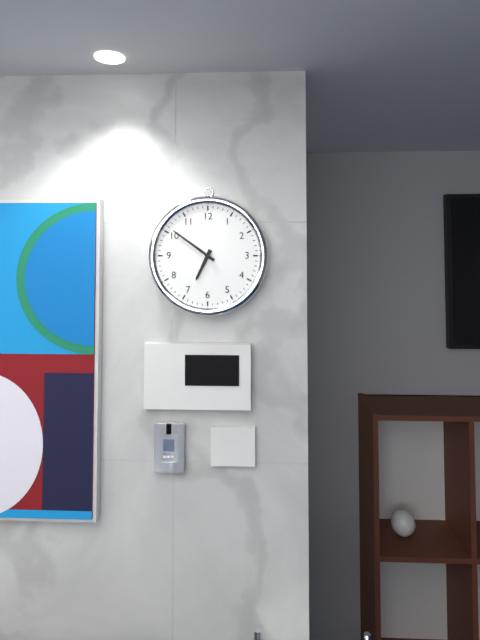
**6:51**
